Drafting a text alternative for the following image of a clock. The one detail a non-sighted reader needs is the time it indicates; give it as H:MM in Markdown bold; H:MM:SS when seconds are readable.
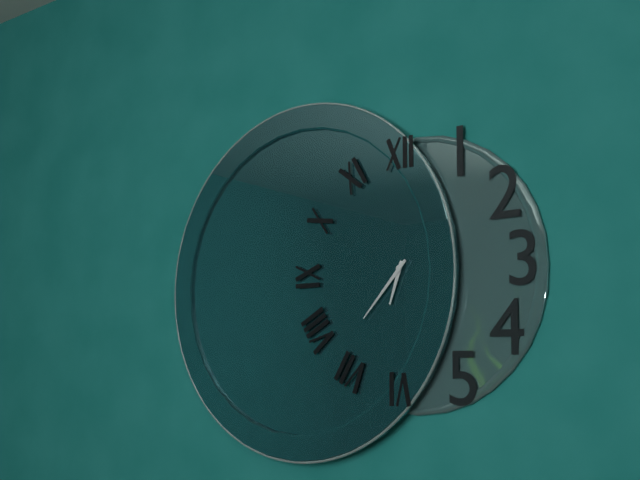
**6:37**
